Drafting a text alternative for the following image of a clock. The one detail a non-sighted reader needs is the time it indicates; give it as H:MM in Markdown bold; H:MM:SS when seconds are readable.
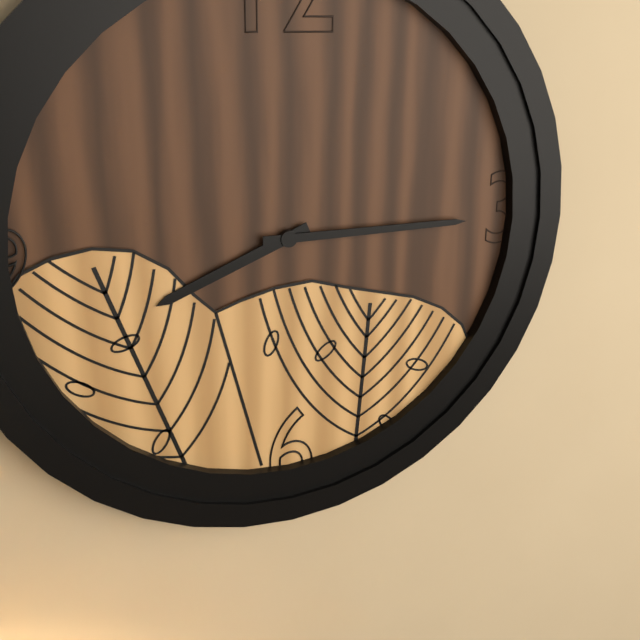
**8:15**
